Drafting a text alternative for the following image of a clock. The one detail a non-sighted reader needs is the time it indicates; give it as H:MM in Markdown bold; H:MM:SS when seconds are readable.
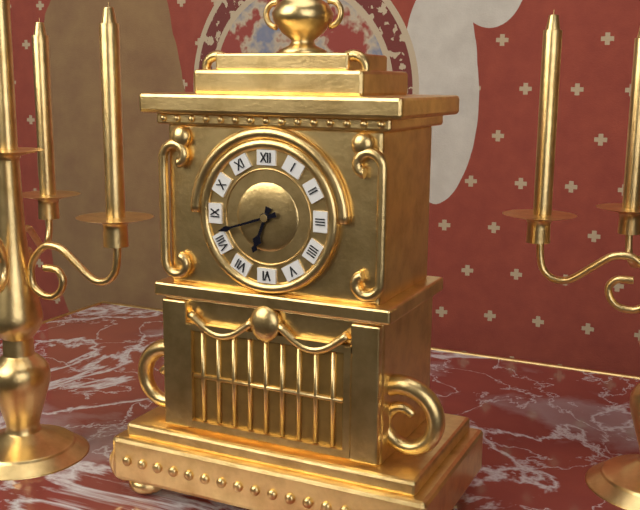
**6:42**
